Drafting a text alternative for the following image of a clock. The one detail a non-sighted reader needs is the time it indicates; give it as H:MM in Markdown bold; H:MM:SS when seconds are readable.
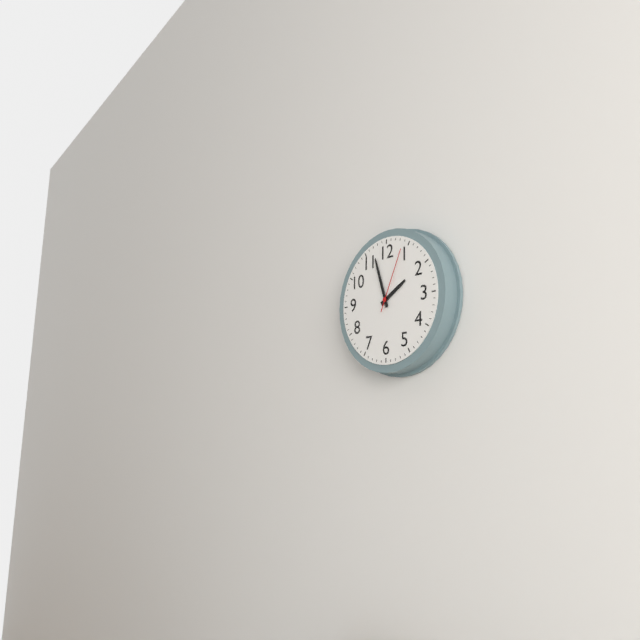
**1:57:04**
